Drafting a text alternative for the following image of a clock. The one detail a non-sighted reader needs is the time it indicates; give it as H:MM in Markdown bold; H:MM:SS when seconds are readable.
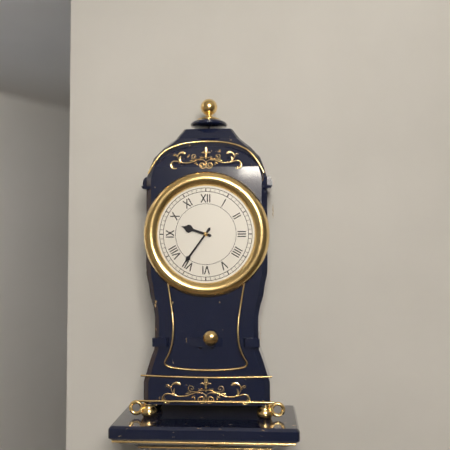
**9:36**
